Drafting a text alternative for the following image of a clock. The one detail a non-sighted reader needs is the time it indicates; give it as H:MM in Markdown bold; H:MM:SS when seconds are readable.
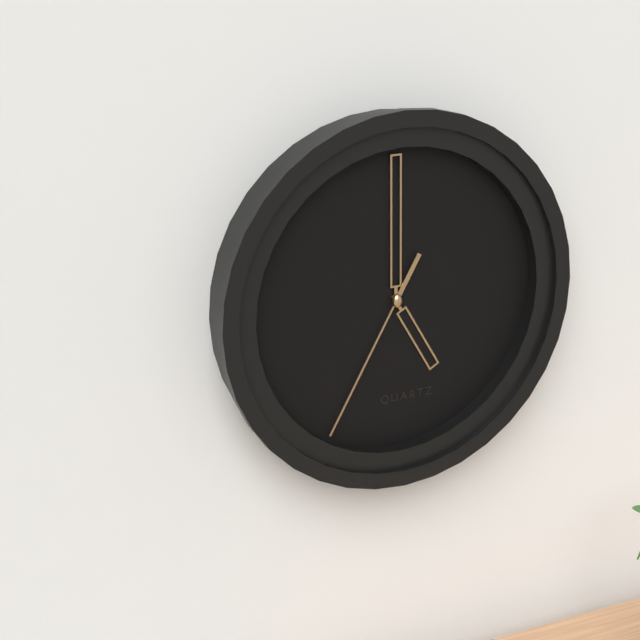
**5:00:35**
